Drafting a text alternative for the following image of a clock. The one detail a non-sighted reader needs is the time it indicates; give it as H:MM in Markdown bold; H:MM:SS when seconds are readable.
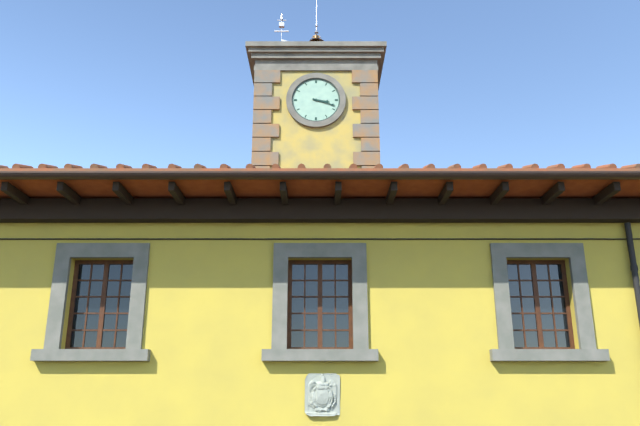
**3:18**
